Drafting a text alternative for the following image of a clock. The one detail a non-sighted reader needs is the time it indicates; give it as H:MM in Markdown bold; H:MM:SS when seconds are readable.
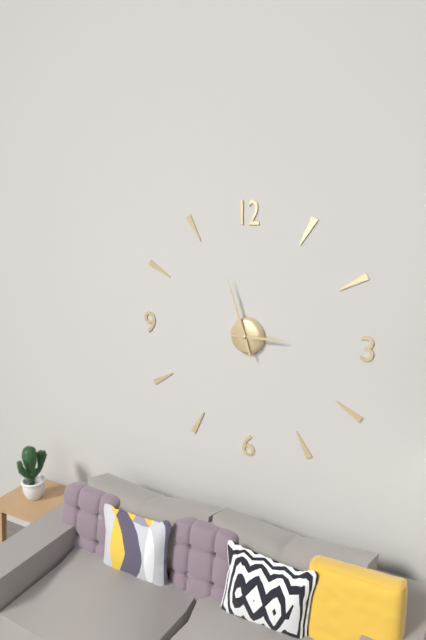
**2:57**
